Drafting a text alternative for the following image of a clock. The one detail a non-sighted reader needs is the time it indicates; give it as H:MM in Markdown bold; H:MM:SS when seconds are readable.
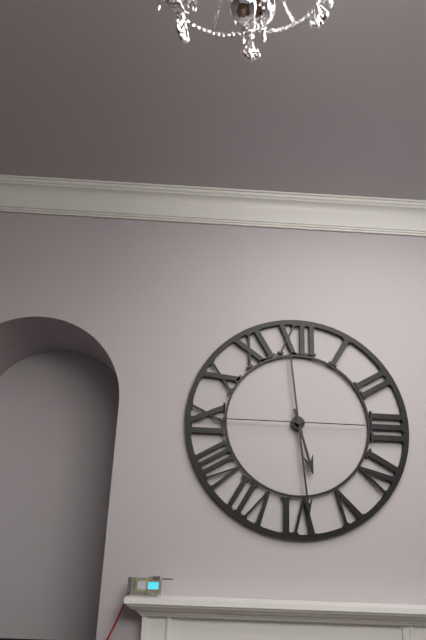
**5:29:45**
